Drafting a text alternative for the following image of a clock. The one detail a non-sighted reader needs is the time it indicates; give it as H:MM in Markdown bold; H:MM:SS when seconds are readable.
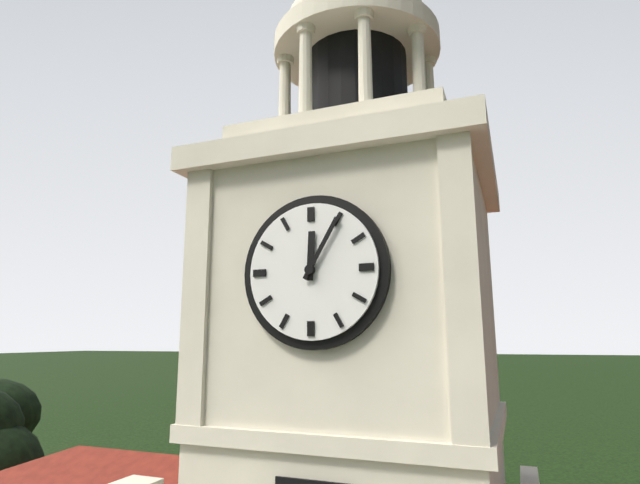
**12:05**
